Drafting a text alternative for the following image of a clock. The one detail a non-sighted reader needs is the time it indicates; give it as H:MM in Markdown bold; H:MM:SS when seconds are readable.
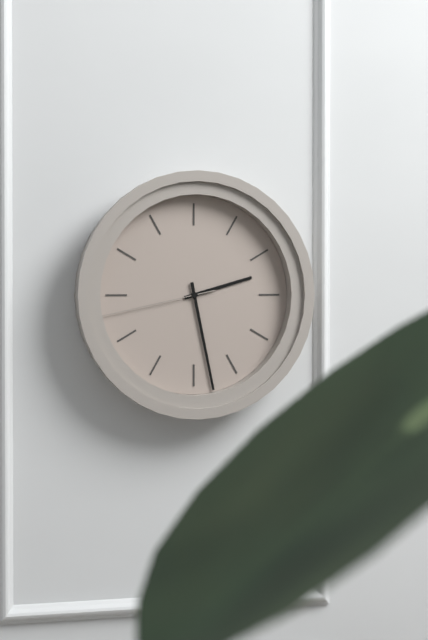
**2:28:43**
